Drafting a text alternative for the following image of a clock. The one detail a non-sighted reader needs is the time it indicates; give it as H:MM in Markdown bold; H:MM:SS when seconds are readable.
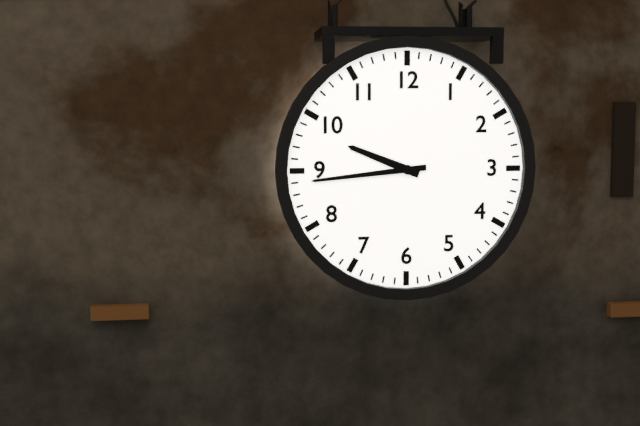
**9:44**
